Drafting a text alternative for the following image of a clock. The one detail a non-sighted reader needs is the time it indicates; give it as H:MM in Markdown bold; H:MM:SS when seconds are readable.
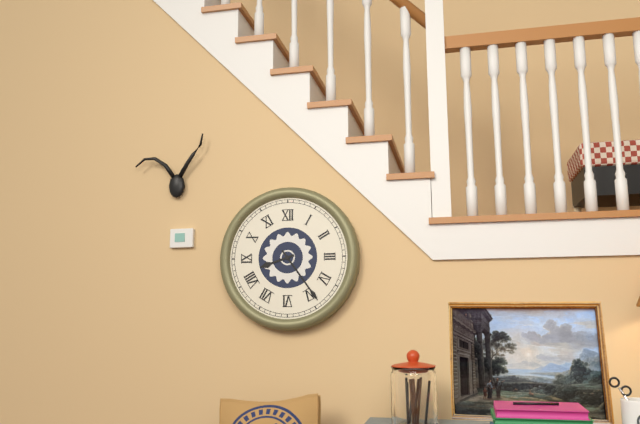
**8:24**
